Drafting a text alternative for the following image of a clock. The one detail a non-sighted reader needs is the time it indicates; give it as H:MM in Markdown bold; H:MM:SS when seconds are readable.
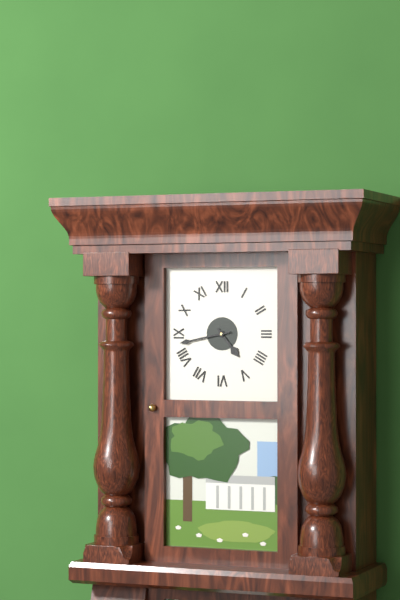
**4:43**
